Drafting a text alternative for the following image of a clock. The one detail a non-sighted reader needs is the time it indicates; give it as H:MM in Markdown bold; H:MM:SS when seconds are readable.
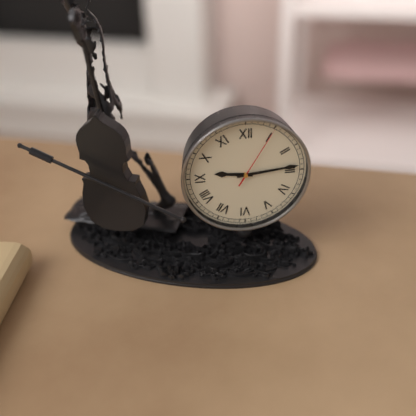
**9:14:05**
